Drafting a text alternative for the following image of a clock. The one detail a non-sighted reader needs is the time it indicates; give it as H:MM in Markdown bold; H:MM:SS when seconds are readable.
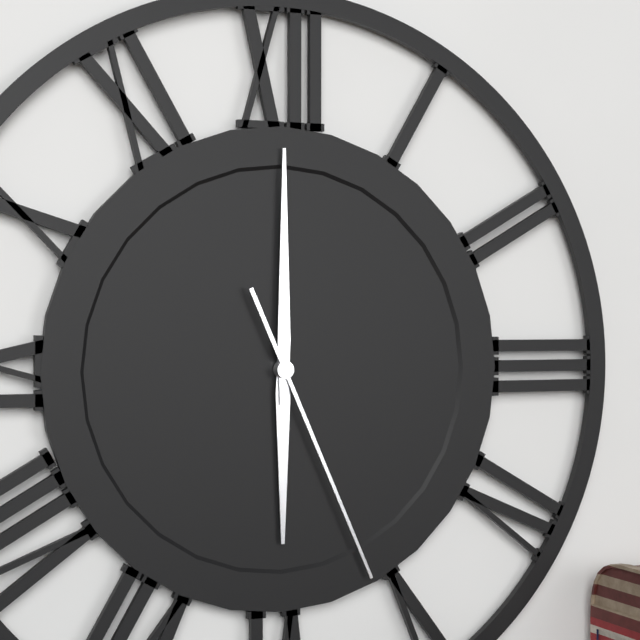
**6:00:26**
